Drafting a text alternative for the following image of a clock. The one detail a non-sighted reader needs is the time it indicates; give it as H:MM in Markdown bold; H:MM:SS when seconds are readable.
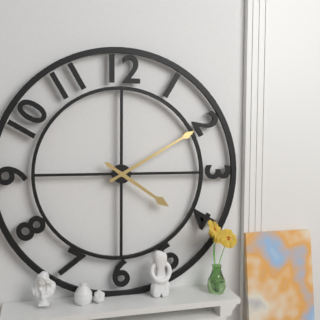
**4:10**
